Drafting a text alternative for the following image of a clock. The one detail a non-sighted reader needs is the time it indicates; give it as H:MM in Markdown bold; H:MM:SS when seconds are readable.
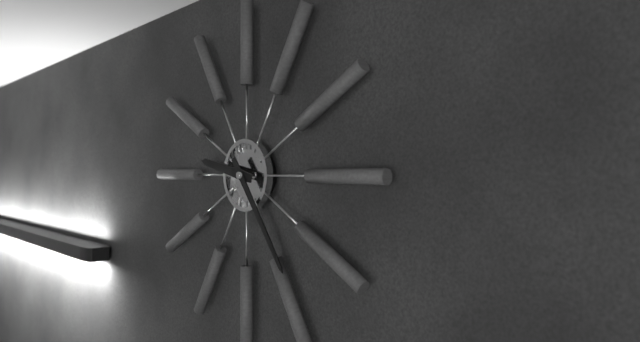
**9:24**
